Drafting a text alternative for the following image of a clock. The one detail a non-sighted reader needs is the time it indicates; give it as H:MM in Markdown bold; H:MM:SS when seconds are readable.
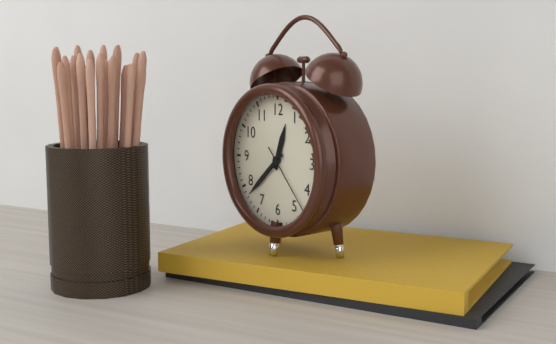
**12:38:23**
